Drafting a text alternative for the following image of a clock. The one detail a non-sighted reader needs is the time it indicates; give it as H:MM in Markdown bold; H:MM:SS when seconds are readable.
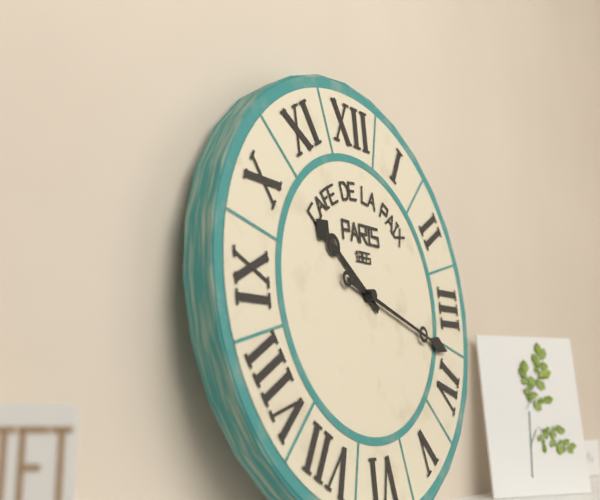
**10:18**
